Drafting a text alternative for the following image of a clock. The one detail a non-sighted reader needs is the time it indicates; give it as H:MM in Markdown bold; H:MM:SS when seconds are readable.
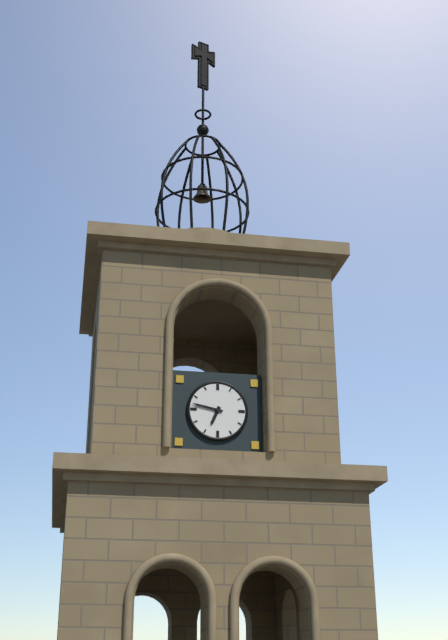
**6:47**
